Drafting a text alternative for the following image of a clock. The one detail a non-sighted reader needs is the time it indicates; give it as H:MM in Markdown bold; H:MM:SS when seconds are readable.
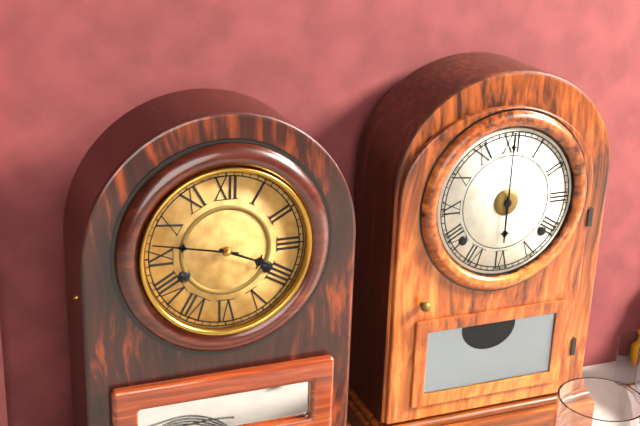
**3:47**
